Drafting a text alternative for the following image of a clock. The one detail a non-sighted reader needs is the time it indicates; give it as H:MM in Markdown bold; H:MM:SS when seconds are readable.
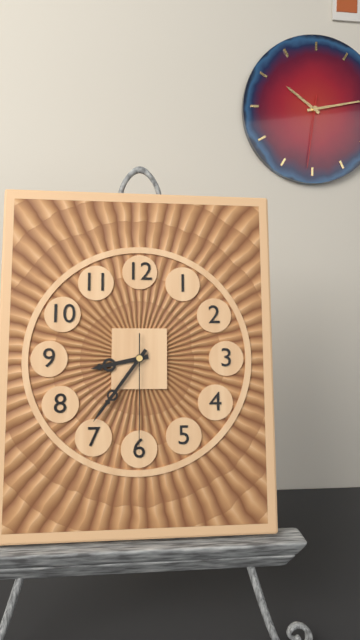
**8:36:30**
